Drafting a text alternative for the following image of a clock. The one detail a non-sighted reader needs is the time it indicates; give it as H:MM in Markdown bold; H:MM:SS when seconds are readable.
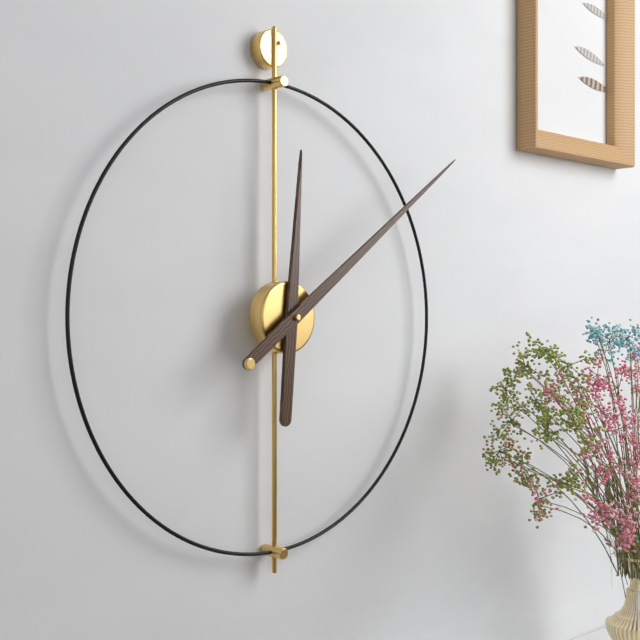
**12:09**
